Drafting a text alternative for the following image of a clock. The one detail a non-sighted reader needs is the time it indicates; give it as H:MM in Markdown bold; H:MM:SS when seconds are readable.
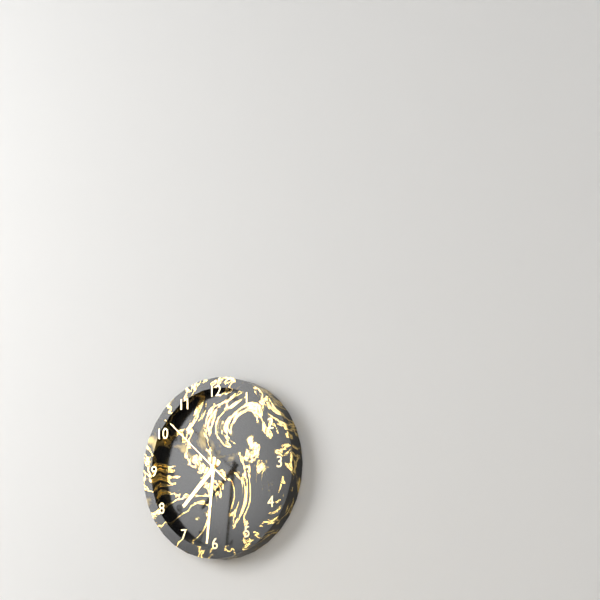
**7:31:52**
